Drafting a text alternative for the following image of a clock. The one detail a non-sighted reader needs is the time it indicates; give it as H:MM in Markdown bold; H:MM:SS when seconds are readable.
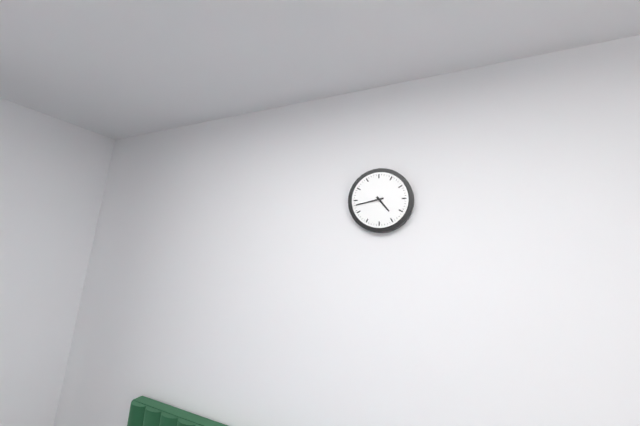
**4:43**
